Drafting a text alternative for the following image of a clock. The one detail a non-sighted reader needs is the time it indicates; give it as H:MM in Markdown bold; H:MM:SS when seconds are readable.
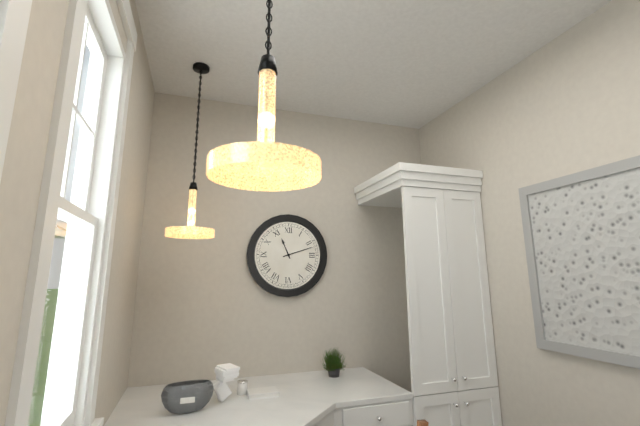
**11:12**
